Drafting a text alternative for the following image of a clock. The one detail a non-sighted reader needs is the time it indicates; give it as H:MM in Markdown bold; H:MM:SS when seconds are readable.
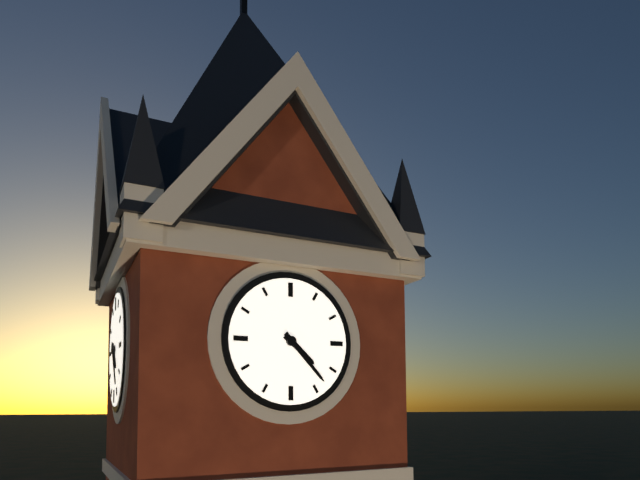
**4:23**
